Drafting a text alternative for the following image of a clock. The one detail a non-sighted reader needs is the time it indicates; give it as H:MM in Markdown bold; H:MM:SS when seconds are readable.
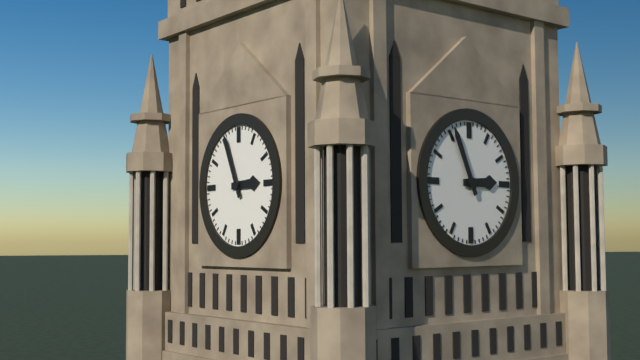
**2:56**
